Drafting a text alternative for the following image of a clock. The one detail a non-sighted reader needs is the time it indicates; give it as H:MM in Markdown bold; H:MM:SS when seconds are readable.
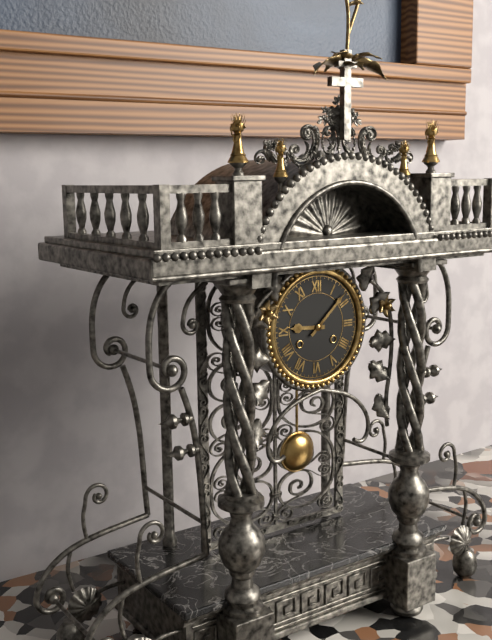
**9:08**
